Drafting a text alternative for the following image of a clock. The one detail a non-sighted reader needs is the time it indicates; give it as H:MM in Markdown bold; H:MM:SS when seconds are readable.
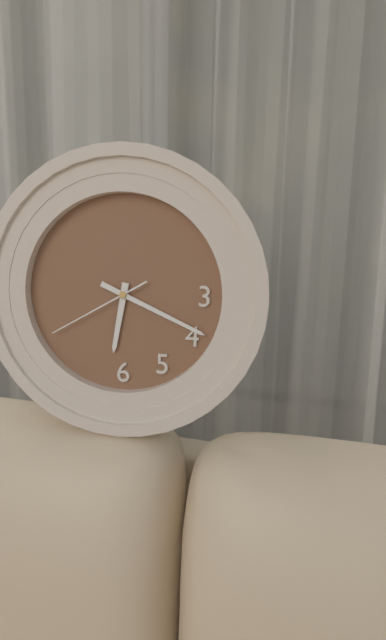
**6:19:40**
